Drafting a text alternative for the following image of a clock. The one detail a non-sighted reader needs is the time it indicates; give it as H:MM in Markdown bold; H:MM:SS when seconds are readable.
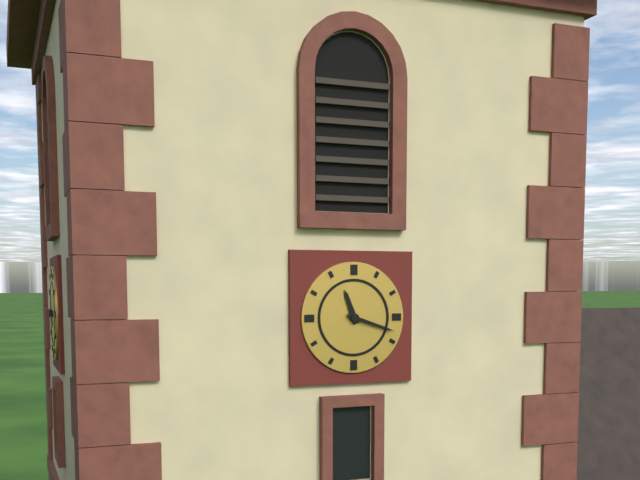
**11:18**
